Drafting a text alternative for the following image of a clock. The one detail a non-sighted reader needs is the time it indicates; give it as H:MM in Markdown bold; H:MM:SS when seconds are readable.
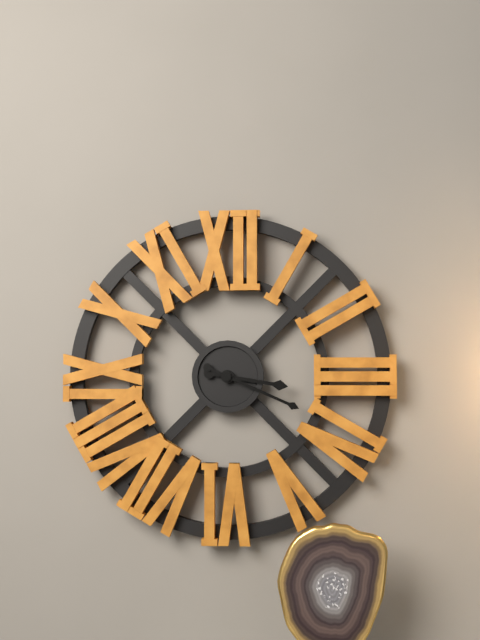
**3:19**
